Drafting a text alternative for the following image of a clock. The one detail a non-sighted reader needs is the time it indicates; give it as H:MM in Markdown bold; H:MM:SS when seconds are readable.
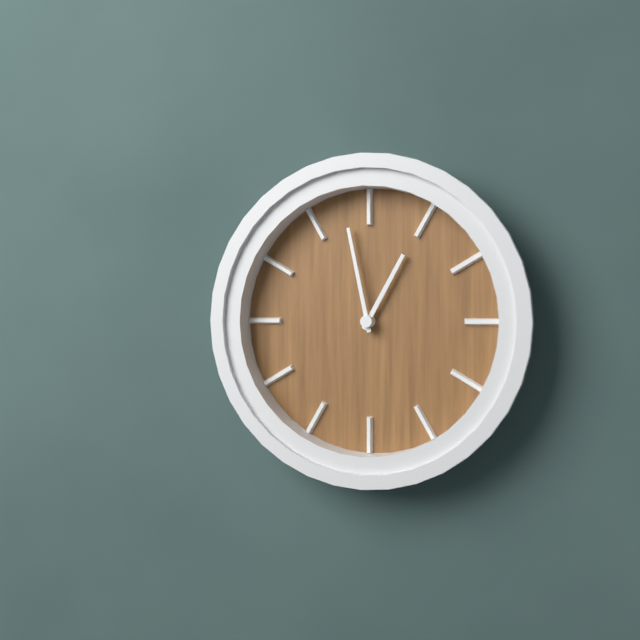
**12:58**
